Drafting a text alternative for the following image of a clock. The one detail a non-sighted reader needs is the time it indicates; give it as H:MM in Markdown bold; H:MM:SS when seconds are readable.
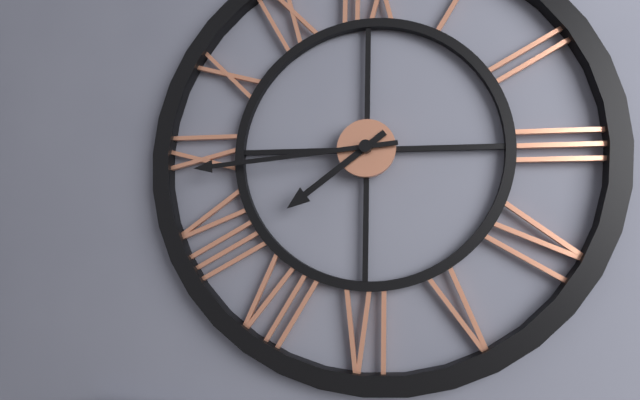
**7:44**
